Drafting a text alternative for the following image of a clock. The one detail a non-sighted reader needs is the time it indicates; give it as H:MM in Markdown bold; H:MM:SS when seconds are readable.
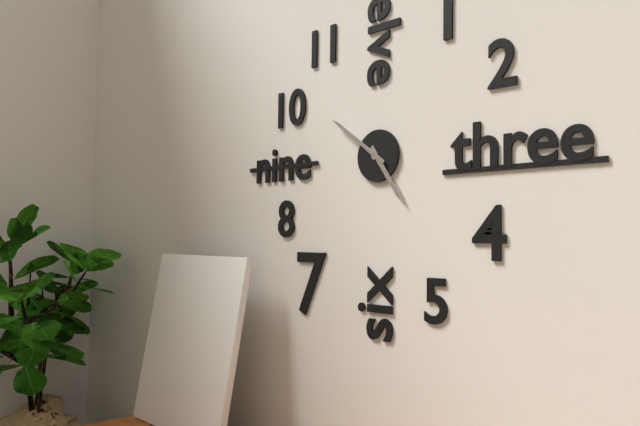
**4:51**
